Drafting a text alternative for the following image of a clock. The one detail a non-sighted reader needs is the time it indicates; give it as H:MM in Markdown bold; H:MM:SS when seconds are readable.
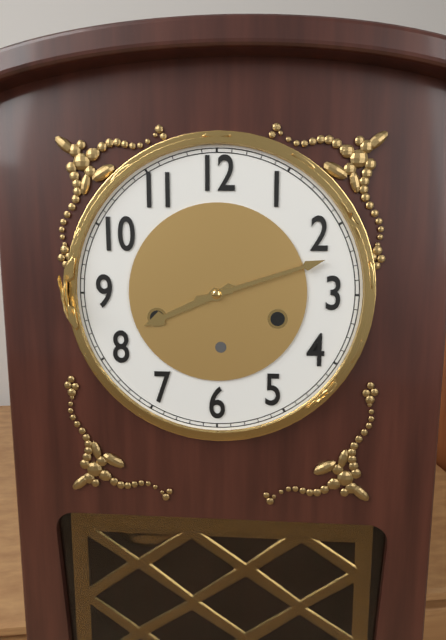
**8:12**
